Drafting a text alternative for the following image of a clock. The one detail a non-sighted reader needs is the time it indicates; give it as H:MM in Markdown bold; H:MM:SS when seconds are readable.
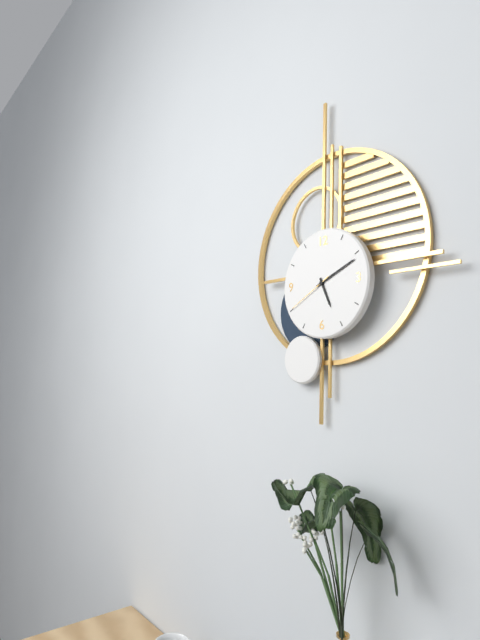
**5:11**
